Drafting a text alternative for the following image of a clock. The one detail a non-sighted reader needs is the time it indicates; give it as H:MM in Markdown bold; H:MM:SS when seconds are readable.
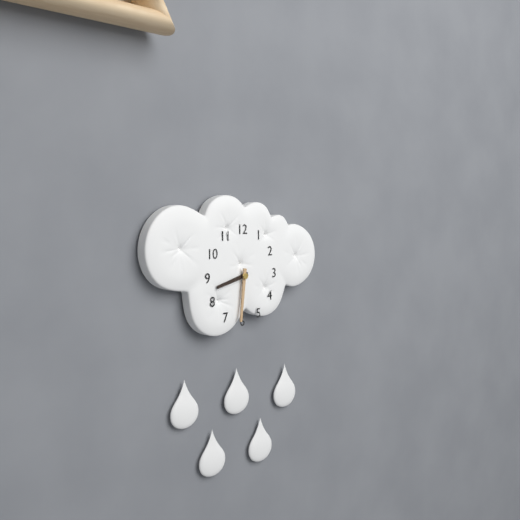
**8:31**
